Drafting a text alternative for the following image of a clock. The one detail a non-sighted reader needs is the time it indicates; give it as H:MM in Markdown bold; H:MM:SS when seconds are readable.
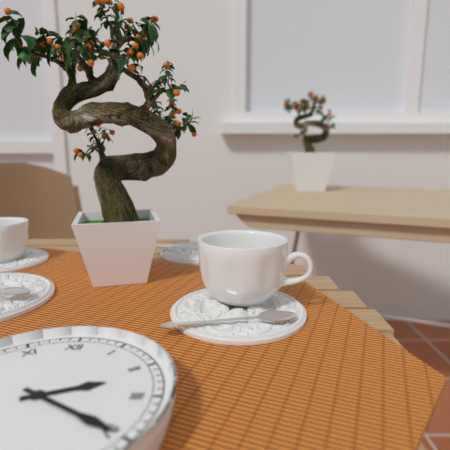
**2:20**
